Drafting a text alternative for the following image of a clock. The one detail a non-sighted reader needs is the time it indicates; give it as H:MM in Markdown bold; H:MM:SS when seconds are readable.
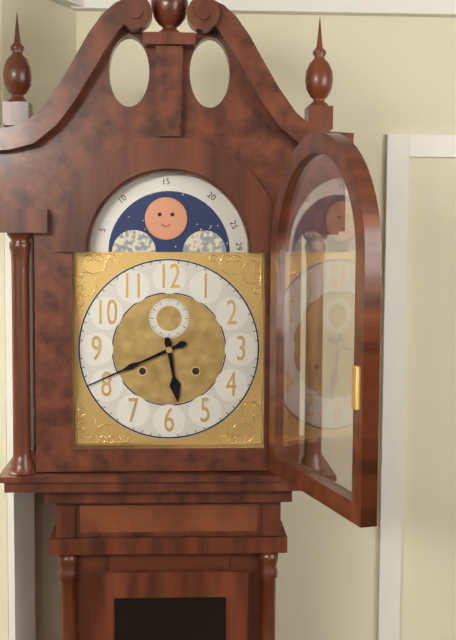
**5:41**
